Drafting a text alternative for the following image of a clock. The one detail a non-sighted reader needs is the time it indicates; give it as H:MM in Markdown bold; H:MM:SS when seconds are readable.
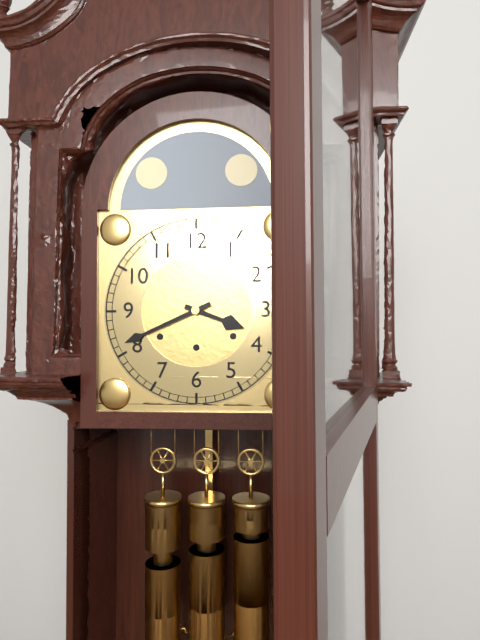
**3:41**
